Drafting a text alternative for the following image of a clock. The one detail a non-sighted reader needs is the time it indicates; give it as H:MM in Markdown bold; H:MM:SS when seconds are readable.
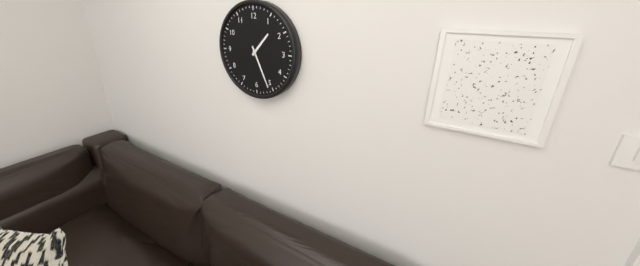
**1:26**
